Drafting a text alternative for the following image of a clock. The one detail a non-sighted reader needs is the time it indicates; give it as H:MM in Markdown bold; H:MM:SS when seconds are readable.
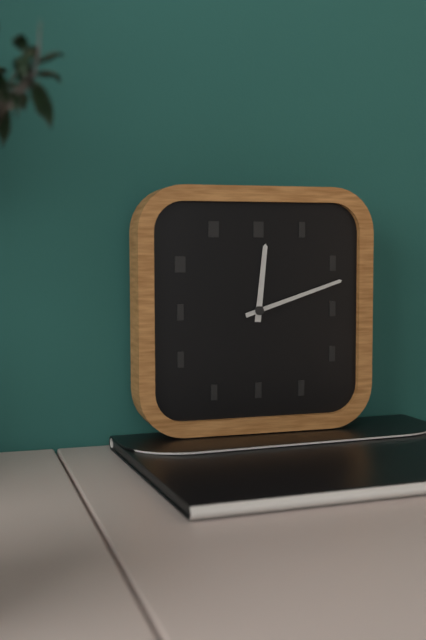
**12:12**
